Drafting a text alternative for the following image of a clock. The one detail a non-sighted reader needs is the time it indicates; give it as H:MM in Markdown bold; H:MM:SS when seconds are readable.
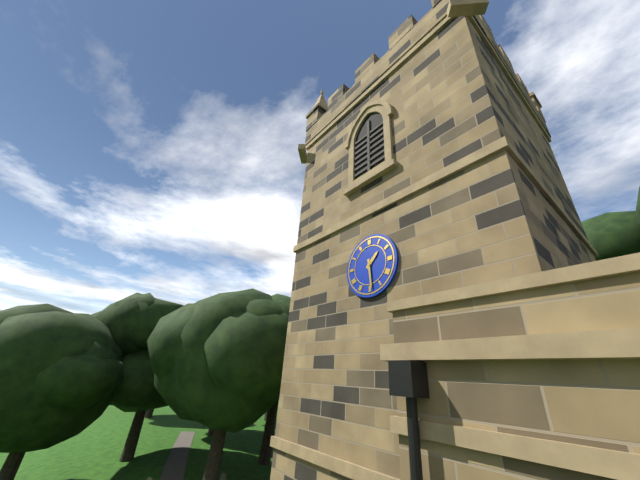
**1:29**
